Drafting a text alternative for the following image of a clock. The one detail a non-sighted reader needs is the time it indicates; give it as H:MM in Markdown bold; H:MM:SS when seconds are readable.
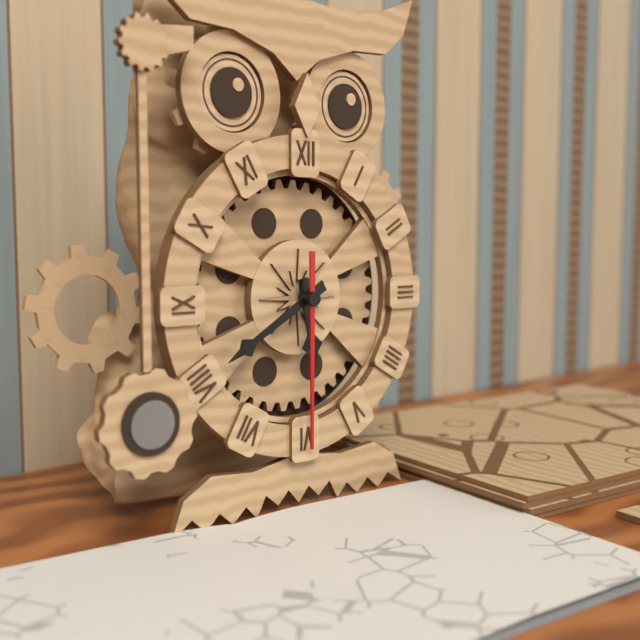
**5:40:30**
